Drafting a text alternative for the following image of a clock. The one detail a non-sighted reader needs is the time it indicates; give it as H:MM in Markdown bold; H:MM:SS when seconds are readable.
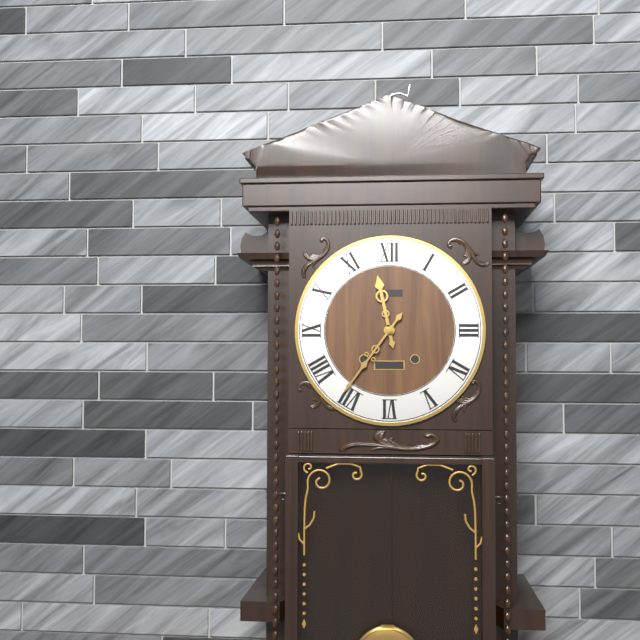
**11:36**
